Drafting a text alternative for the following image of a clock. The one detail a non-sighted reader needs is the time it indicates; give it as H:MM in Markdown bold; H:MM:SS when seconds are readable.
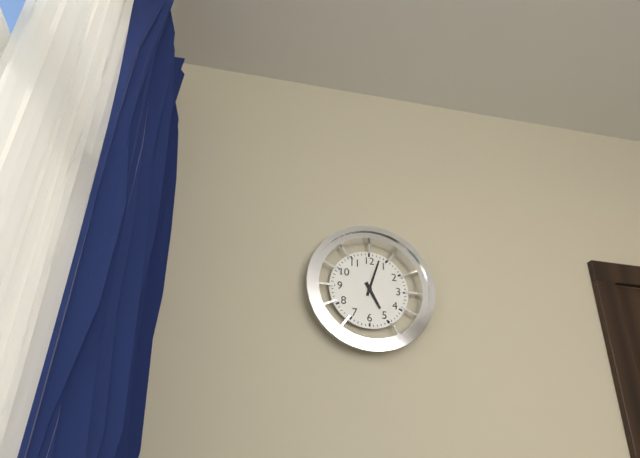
**5:03**
